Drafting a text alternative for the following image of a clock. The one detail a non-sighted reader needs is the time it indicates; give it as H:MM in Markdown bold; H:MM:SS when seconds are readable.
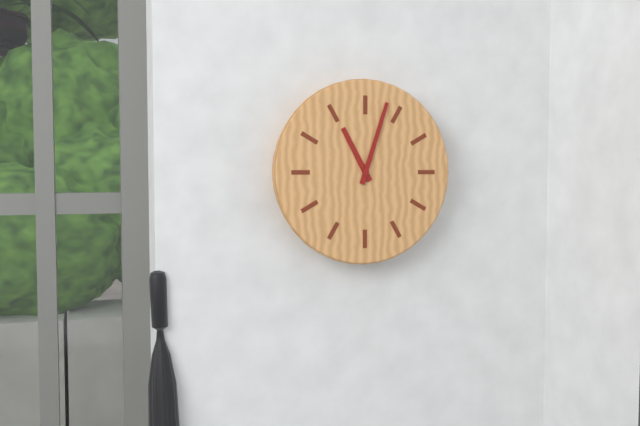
**11:03**
